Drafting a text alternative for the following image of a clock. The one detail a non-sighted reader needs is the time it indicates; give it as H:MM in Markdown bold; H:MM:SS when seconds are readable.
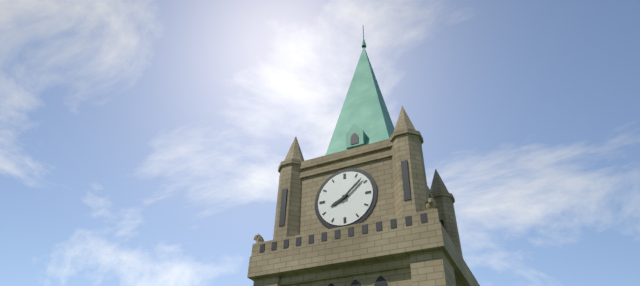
**8:08**
